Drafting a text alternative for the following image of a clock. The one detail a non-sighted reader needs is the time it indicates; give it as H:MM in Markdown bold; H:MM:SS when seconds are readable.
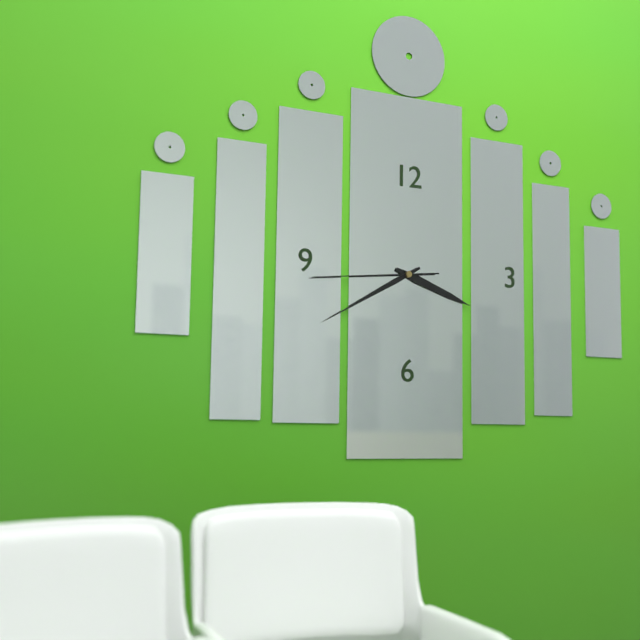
**3:40:44**
